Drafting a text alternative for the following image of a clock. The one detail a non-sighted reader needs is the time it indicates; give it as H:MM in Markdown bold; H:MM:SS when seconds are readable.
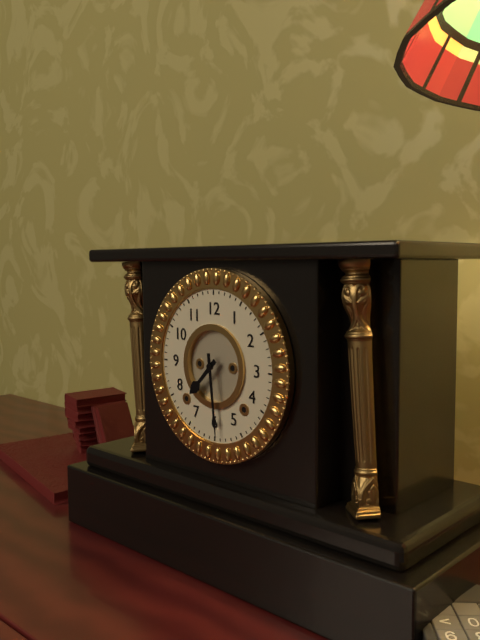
**7:29**
